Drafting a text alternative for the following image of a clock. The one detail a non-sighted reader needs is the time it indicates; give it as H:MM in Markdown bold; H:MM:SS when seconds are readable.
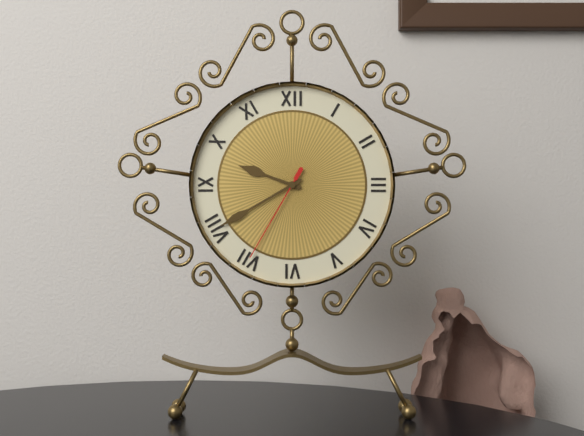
**9:40:35**
